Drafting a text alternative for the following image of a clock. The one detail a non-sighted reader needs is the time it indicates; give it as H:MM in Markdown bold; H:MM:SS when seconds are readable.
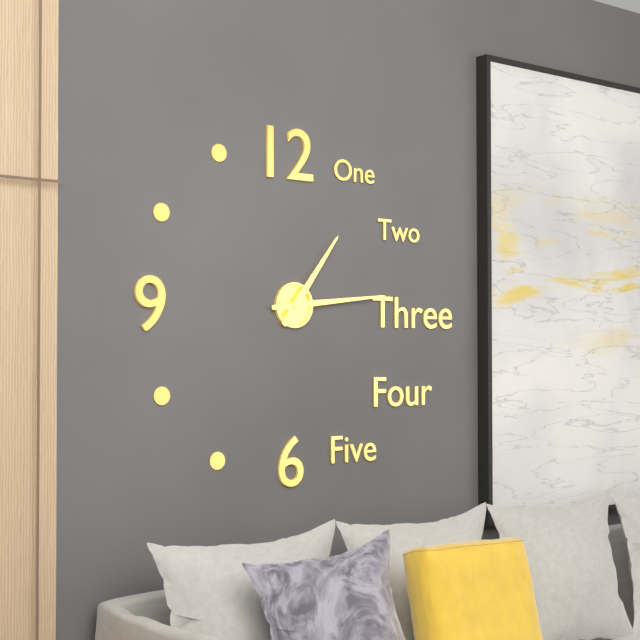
**1:14**
